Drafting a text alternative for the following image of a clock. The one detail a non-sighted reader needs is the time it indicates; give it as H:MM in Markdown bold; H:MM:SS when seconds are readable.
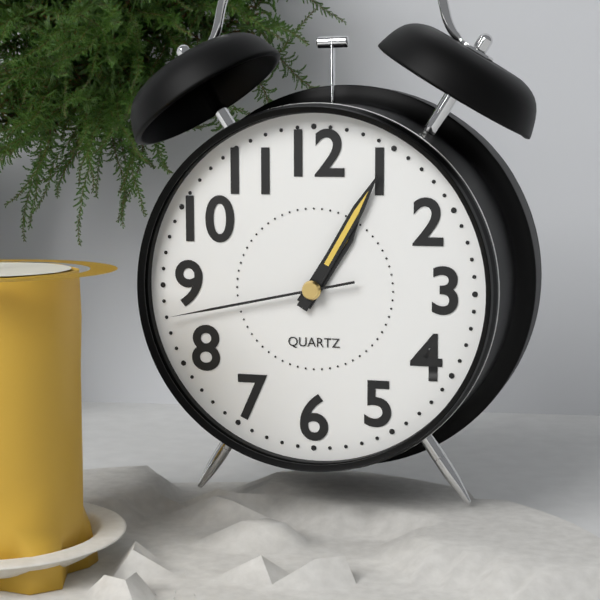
**1:05:43**
